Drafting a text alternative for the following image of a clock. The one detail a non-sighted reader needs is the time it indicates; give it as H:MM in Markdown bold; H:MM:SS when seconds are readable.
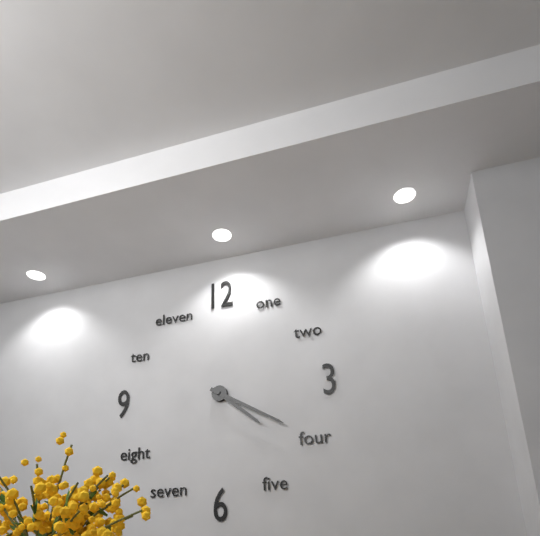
**4:20**
